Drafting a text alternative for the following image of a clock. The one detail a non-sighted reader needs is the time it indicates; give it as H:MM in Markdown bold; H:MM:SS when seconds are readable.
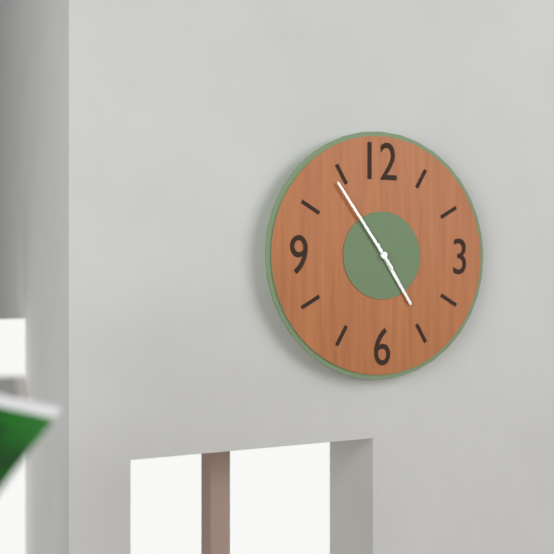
**4:54**
